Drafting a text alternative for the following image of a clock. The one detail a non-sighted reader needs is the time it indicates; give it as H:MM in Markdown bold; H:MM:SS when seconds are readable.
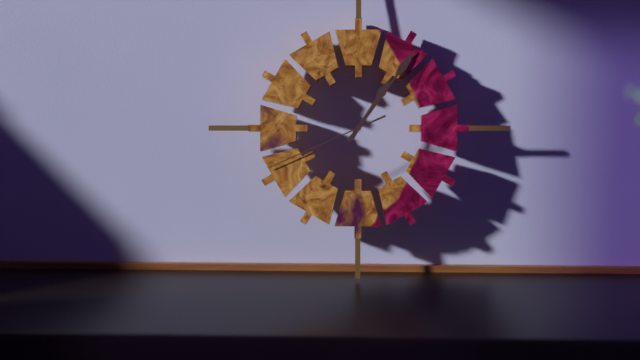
**1:06:41**
